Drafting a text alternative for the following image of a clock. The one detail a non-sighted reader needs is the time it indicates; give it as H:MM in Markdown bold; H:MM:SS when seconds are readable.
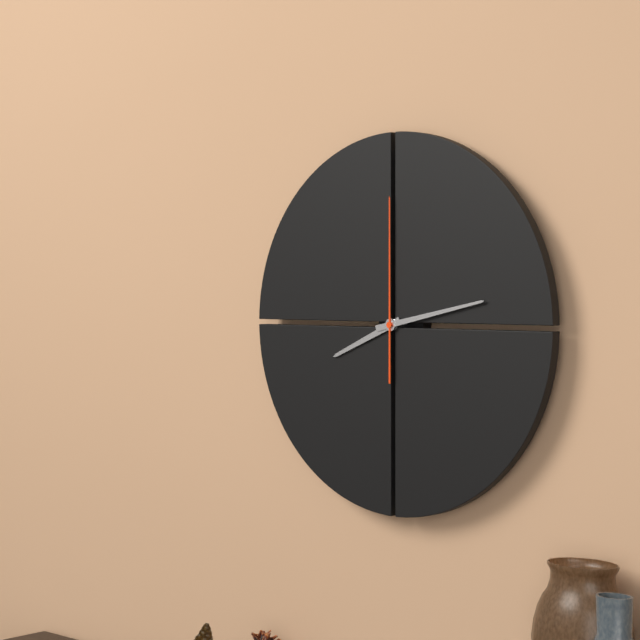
**8:13:00**
